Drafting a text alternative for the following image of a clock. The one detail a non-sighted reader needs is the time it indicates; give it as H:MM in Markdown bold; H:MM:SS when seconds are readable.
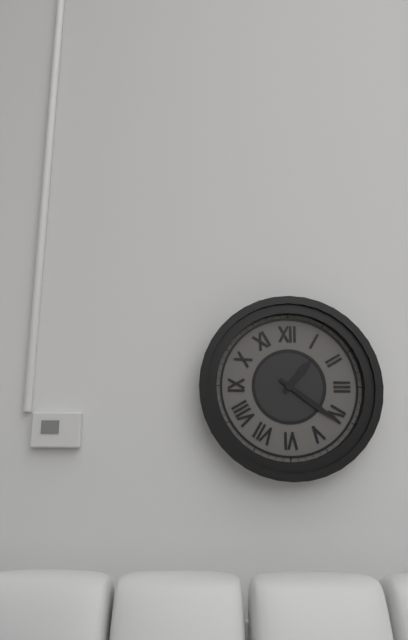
**1:21**
